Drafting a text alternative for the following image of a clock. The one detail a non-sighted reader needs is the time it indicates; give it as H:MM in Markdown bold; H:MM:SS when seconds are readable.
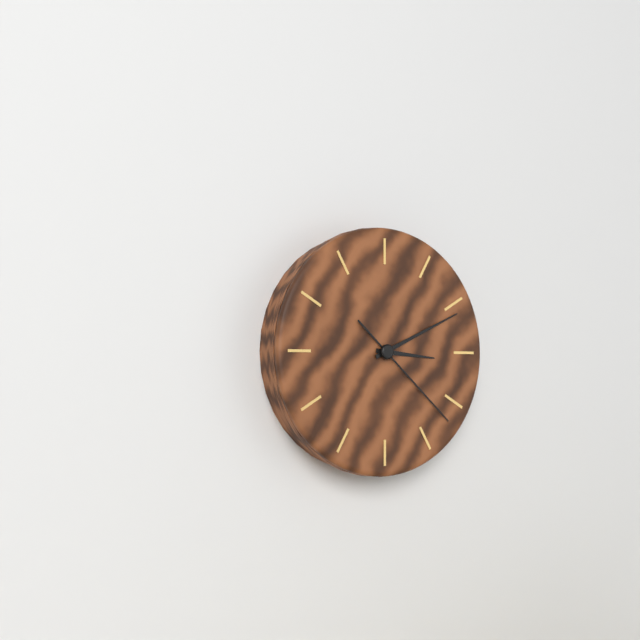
**3:11:22**
